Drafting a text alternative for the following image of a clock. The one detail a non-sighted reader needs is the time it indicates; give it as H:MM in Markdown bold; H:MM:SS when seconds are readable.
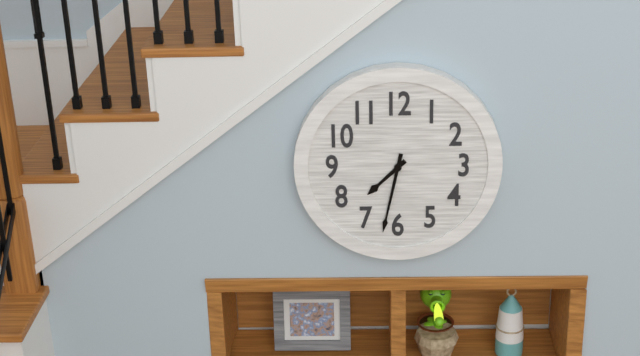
**7:32**
